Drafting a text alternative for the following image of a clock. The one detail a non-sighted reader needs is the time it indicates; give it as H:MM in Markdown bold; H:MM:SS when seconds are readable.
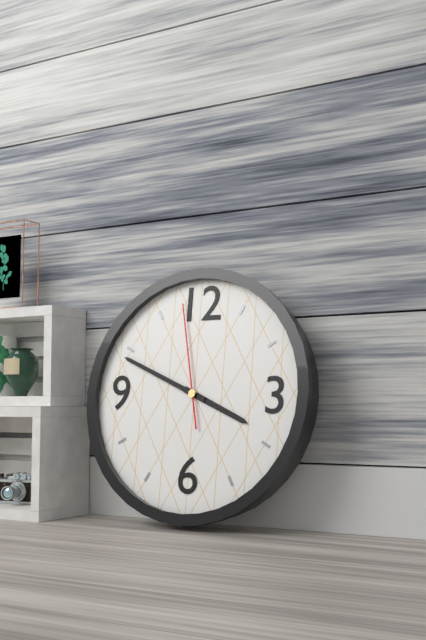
**3:49:58**
